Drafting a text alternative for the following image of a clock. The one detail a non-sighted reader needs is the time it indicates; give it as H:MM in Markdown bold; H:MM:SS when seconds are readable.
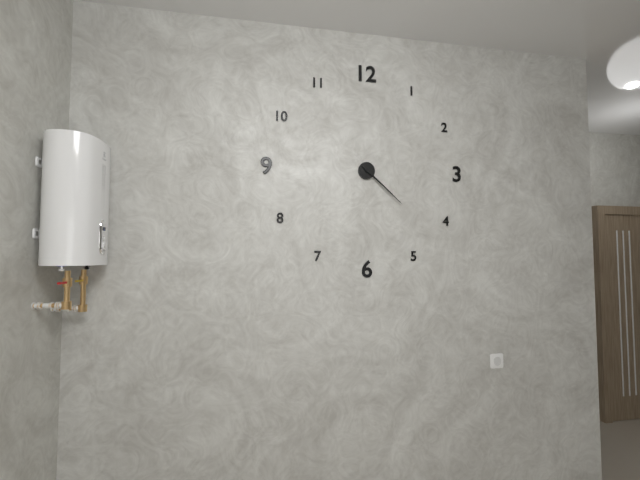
**4:22**
